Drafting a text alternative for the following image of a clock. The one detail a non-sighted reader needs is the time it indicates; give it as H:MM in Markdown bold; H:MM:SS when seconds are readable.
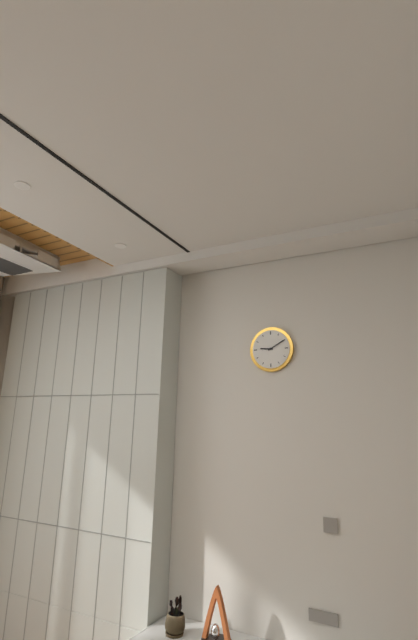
**9:10**
